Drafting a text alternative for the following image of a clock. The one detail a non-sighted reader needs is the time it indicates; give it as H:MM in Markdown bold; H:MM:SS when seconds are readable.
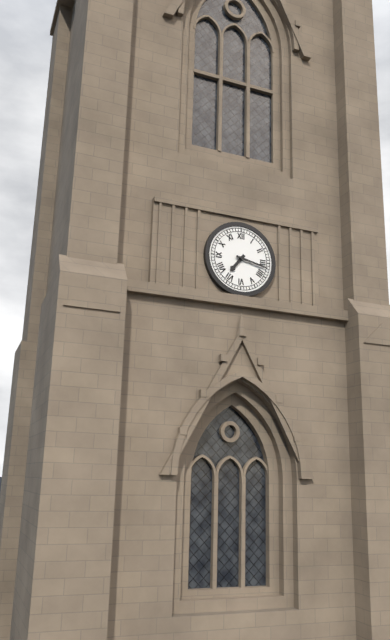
**7:17**
